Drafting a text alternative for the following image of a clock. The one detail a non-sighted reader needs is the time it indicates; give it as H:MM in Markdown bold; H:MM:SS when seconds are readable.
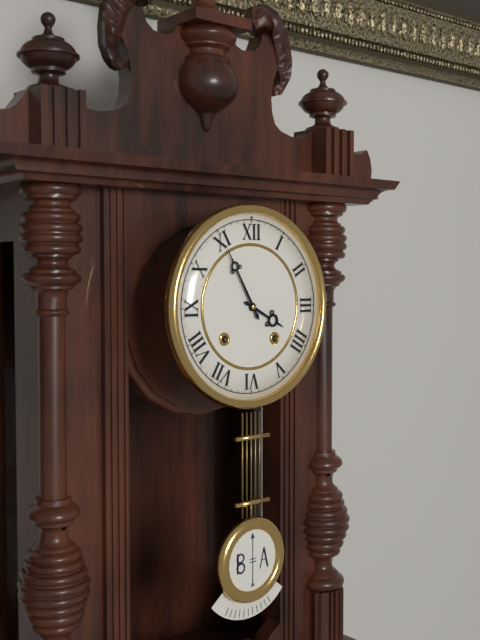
**3:55**
